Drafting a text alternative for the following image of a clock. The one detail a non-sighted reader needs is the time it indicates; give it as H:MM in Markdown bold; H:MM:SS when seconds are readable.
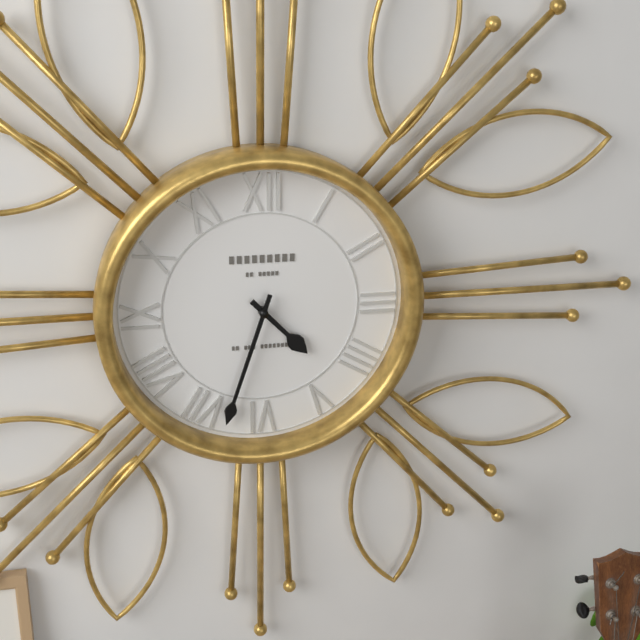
**4:33**
